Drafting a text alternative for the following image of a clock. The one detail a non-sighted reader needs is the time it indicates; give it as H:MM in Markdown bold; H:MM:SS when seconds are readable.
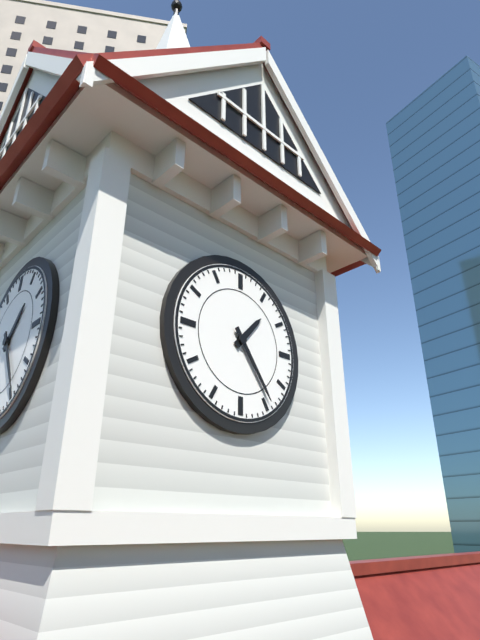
**1:24**
